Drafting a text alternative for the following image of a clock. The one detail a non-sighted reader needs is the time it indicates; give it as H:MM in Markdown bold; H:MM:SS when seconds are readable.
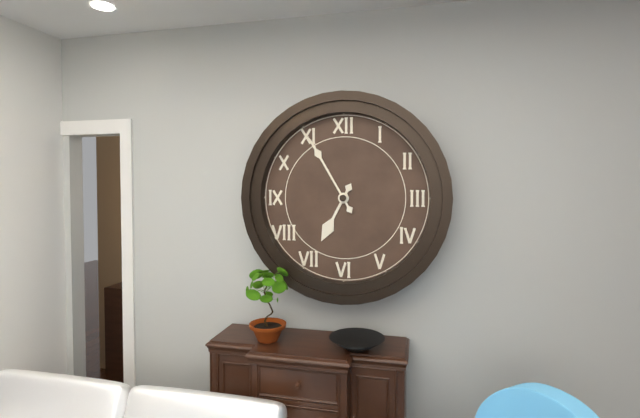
**6:55**
